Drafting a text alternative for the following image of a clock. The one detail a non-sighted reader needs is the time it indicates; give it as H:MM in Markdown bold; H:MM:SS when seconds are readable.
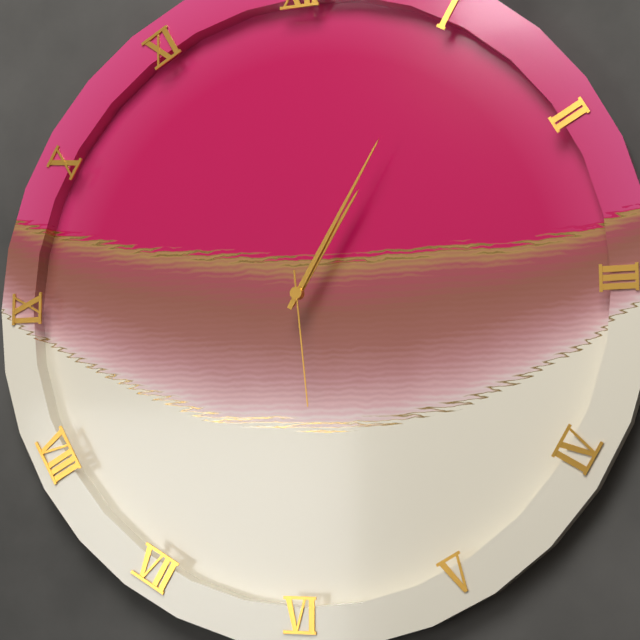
**1:05:29**
